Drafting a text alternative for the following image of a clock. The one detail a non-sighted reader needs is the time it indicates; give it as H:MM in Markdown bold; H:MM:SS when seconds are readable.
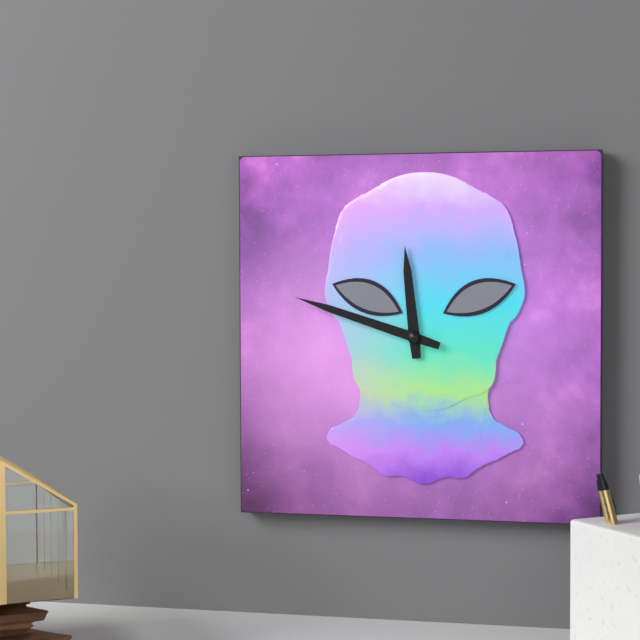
**11:48**
